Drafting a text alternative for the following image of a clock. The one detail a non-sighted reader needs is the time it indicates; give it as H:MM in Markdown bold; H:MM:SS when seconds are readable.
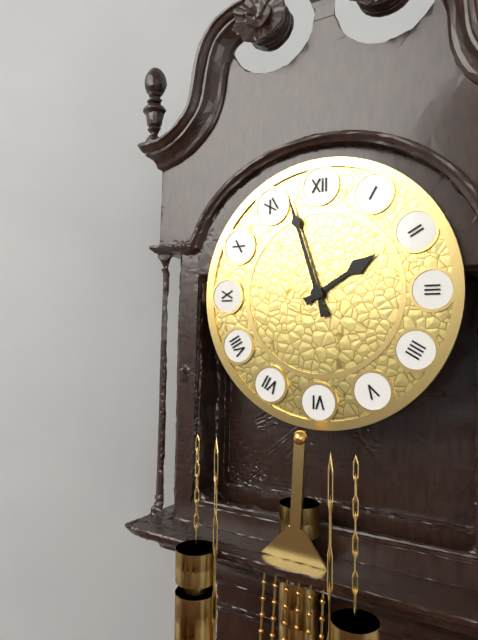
**1:57**
